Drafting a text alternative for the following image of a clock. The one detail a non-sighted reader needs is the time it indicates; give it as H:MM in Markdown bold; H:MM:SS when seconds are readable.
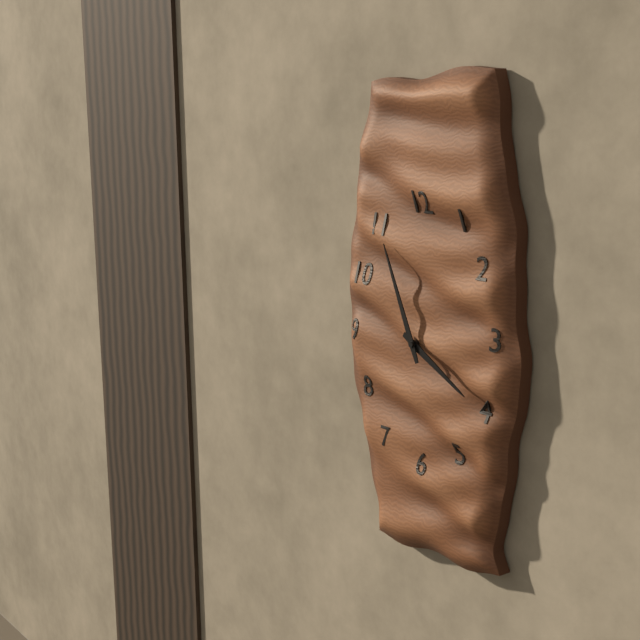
**3:56**
